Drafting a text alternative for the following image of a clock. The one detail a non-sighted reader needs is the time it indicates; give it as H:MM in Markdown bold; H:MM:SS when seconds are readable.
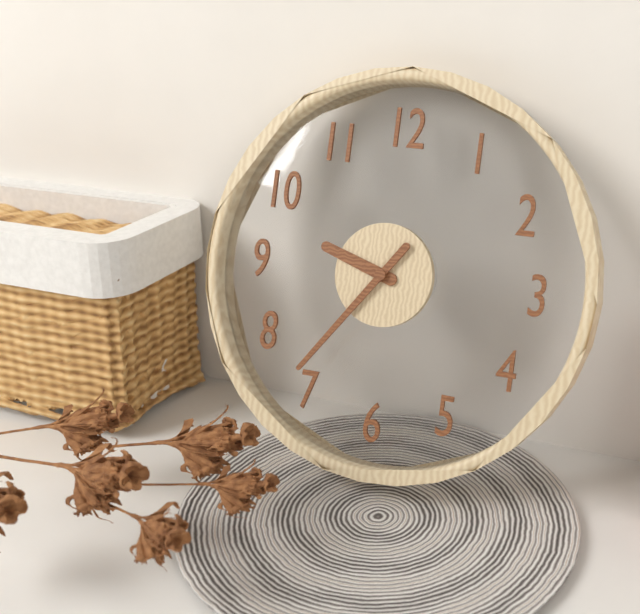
**9:36**
